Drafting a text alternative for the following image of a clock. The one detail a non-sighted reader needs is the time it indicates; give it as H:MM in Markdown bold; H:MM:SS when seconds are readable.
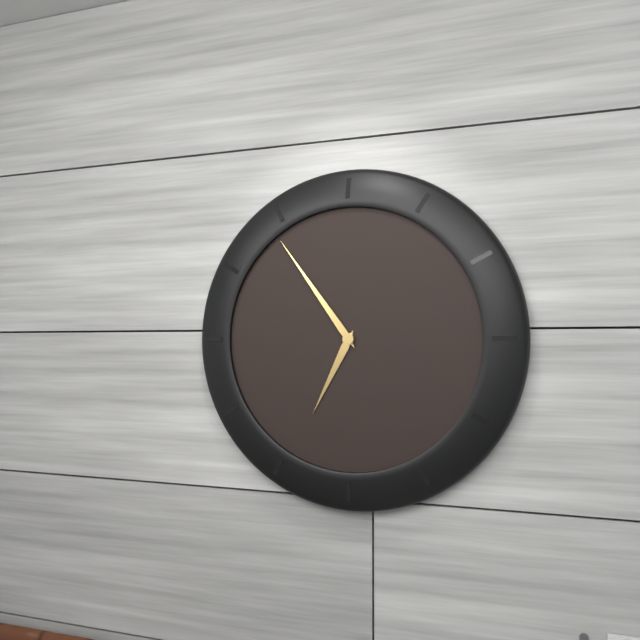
**6:54**
